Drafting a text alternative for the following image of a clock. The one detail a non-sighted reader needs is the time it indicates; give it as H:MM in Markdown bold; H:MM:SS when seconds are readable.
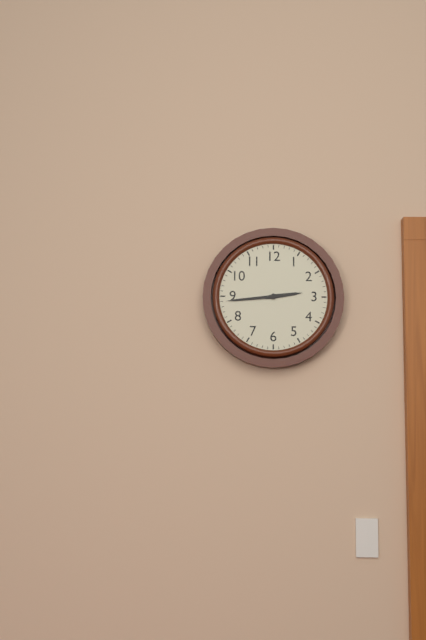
**2:44**
